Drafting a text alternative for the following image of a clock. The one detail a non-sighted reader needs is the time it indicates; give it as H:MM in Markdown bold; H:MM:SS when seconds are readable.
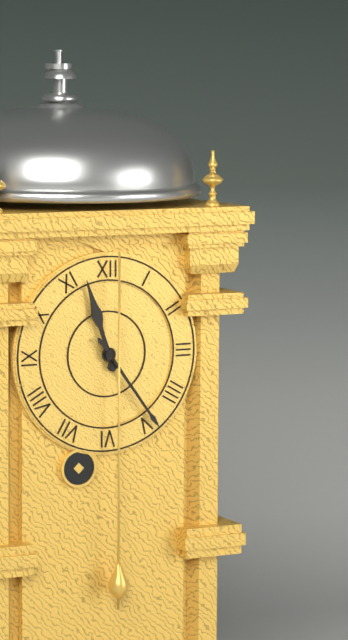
**11:24**
